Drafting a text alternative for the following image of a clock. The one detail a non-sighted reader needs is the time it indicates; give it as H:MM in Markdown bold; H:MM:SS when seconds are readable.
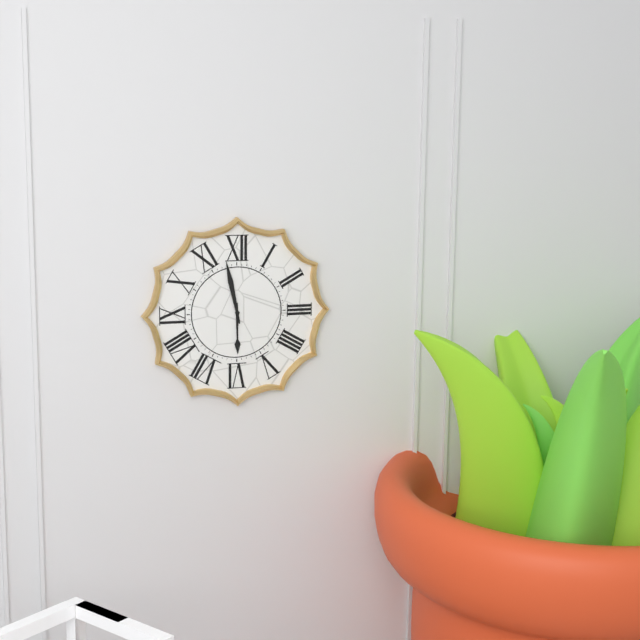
**5:58**
